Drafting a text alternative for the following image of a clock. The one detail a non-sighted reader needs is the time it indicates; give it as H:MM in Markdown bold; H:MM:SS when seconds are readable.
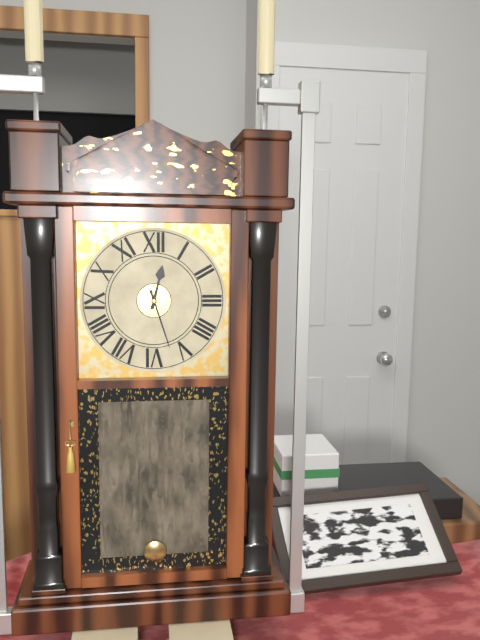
**12:27**
